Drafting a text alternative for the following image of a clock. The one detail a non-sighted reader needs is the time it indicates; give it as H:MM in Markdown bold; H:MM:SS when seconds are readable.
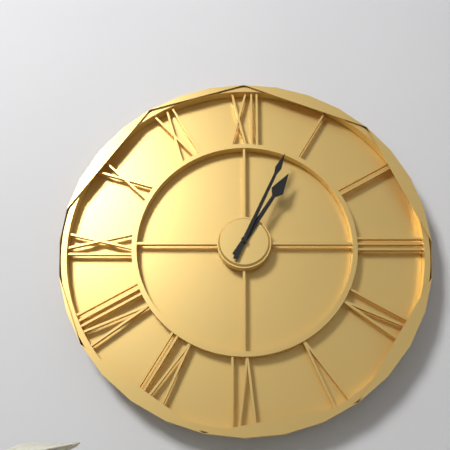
**1:04**
